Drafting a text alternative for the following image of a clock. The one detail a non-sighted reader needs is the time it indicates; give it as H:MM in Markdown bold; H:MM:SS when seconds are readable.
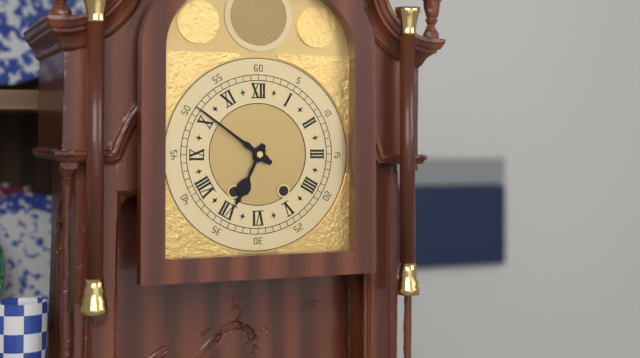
**6:51**
